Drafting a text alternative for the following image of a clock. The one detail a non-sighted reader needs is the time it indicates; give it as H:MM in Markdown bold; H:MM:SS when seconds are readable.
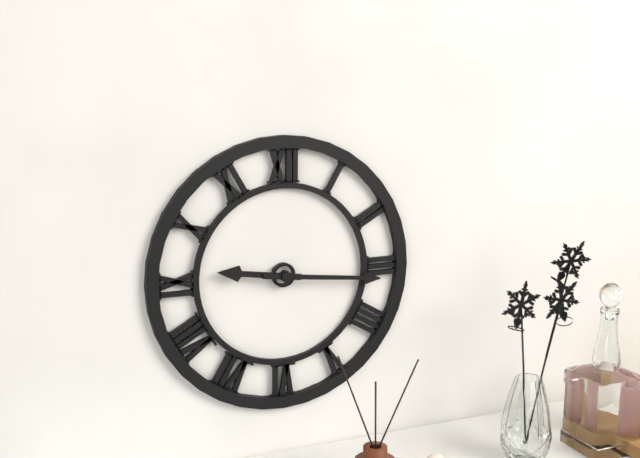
**9:16**
